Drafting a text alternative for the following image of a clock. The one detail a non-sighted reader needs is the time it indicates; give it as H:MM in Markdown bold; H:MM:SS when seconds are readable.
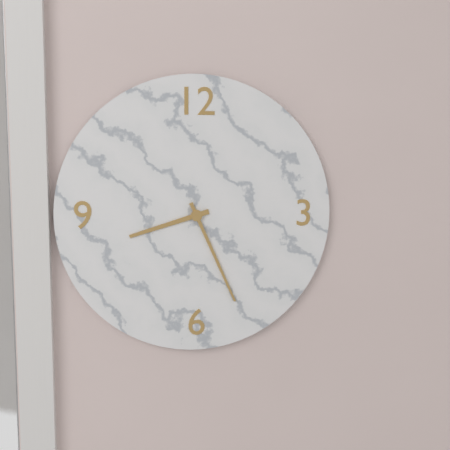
**8:26**
